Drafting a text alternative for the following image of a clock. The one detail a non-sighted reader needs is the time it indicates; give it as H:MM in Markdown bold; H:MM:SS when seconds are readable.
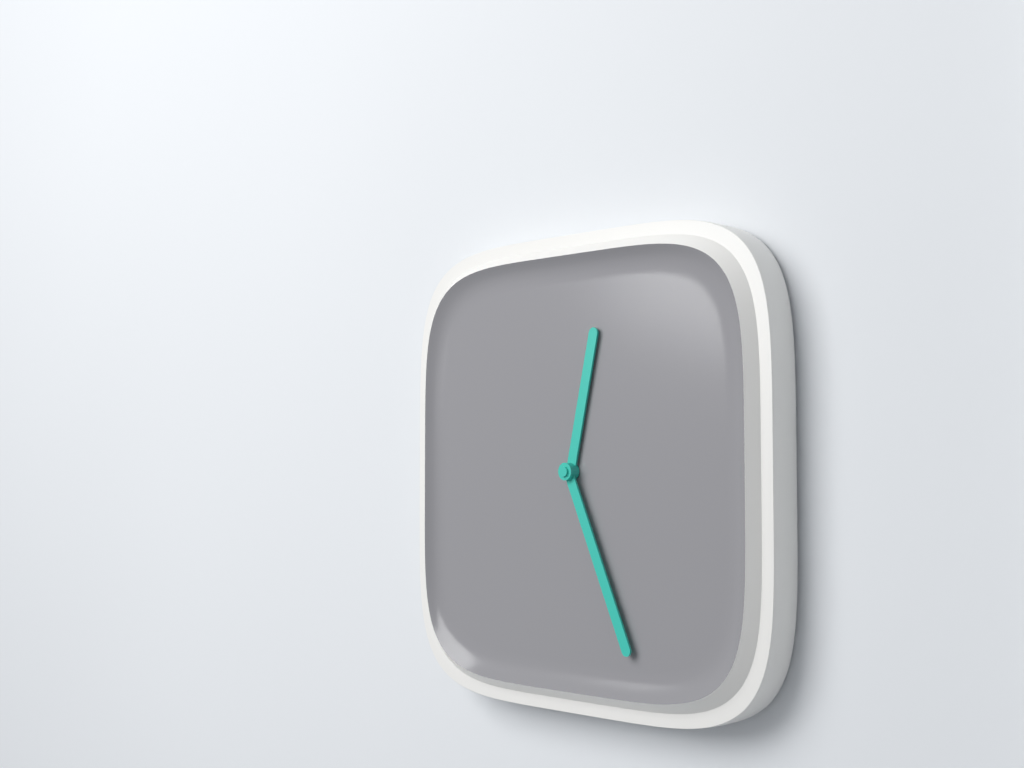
**12:26**
